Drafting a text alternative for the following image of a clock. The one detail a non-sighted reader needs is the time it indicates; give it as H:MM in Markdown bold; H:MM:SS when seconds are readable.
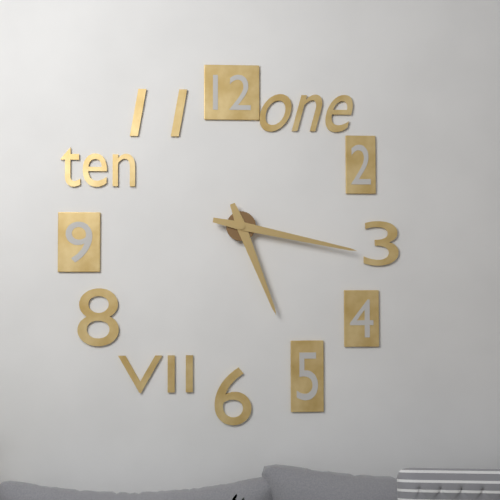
**5:17**
